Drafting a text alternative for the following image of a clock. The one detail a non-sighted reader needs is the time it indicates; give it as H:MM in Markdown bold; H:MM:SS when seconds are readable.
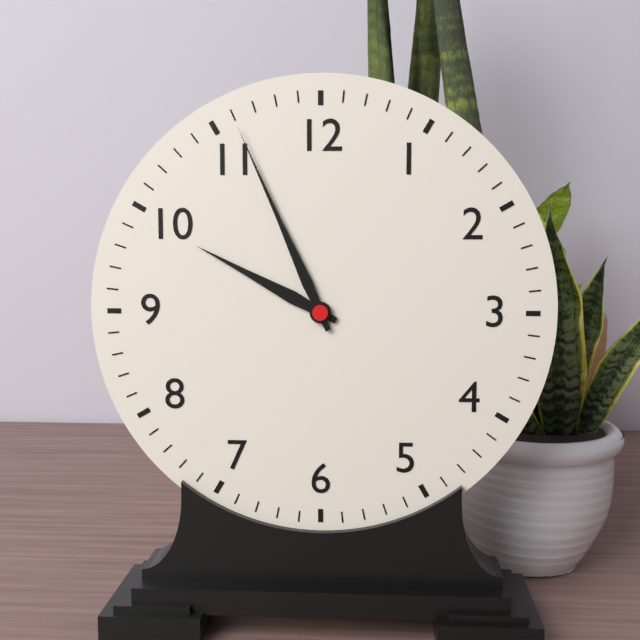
**9:56**
